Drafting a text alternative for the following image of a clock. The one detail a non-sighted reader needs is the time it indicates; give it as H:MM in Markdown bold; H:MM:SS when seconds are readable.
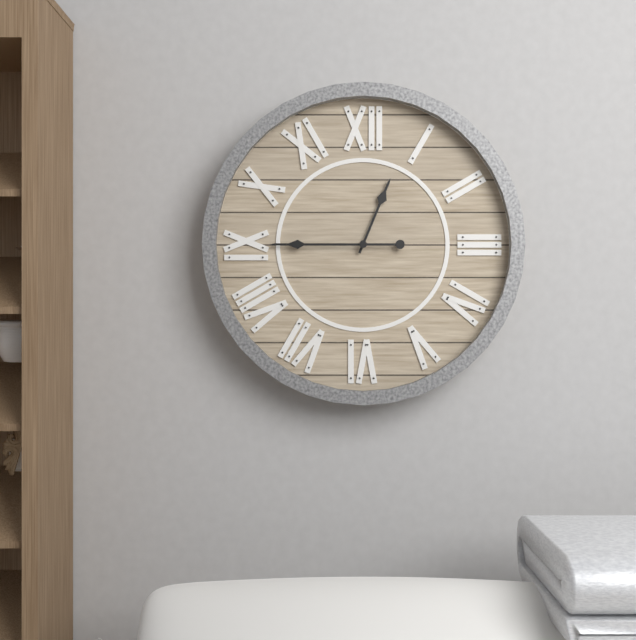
**12:45**
